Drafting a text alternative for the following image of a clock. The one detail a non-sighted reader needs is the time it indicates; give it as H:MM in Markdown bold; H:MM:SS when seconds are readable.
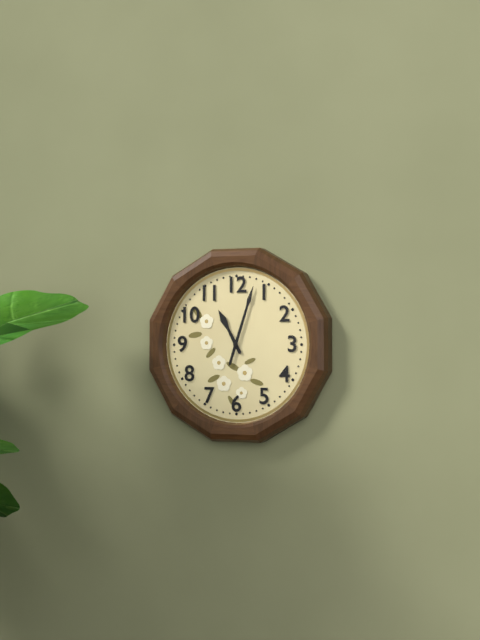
**11:03**
